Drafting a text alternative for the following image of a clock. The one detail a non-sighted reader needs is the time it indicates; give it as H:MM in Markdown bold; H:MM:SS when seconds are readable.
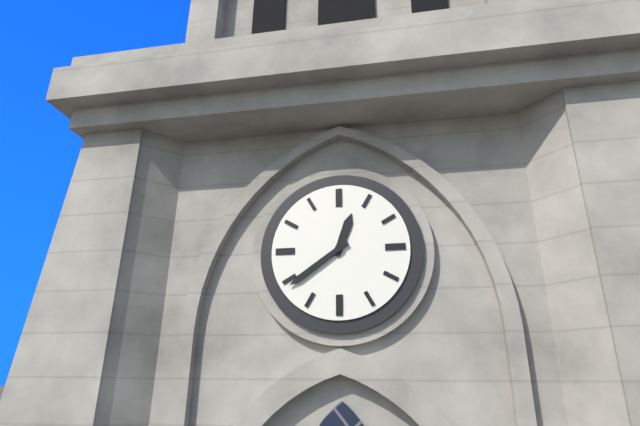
**12:39**
